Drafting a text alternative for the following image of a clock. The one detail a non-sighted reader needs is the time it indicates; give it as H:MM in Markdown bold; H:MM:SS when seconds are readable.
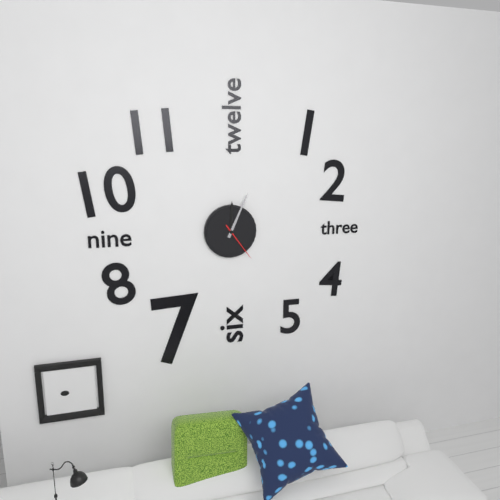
**12:04**
